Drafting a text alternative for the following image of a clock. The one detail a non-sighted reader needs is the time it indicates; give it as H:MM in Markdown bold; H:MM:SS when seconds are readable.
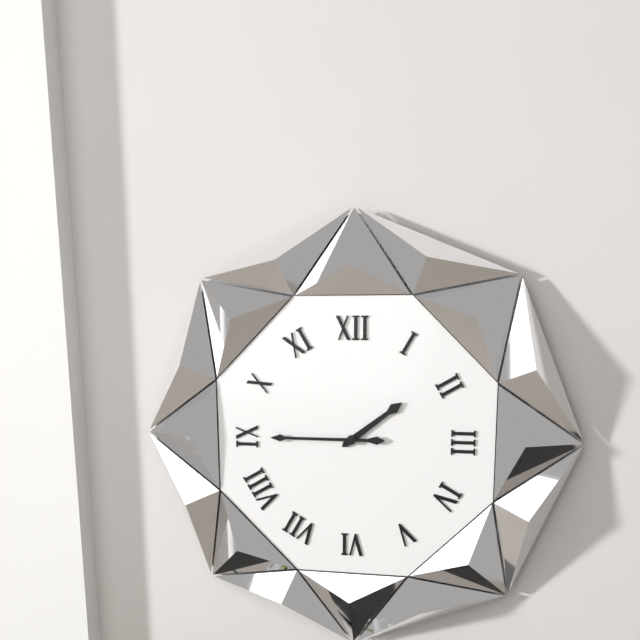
**1:45**
